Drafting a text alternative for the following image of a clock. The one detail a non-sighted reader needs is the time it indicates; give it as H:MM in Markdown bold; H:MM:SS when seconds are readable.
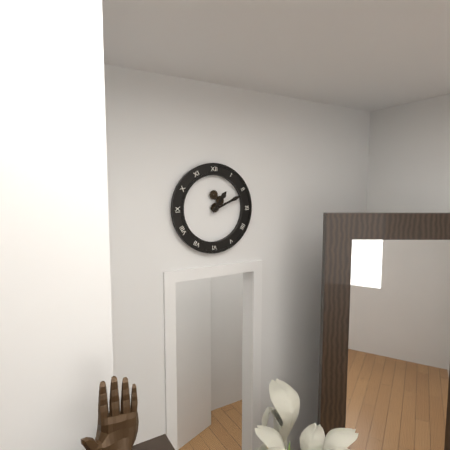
**1:11**
